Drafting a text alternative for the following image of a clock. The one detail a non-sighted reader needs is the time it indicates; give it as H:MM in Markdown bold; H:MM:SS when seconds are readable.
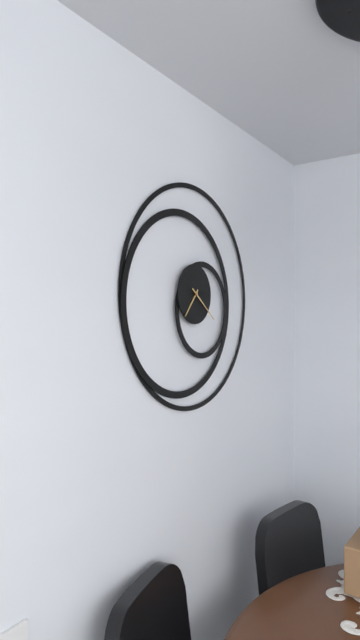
**7:21**
